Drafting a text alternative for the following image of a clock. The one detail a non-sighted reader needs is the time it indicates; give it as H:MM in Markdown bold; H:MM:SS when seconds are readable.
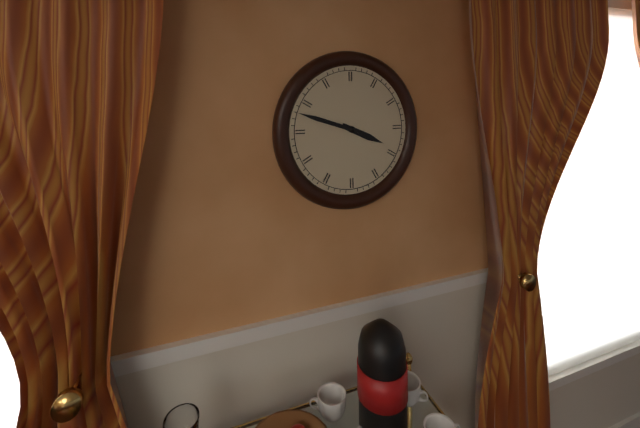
**3:48**
